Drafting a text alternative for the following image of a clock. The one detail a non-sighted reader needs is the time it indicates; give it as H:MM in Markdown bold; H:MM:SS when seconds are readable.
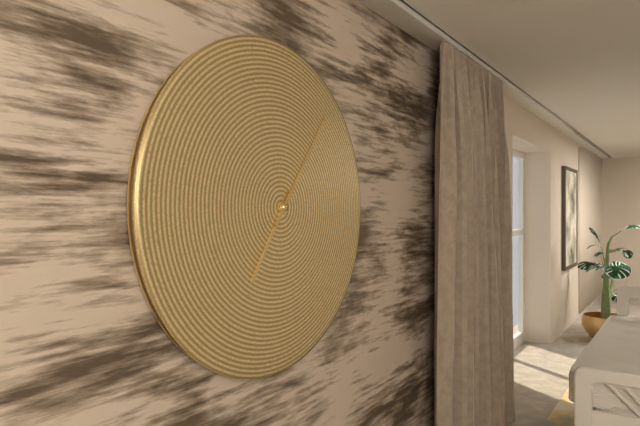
**7:06**
